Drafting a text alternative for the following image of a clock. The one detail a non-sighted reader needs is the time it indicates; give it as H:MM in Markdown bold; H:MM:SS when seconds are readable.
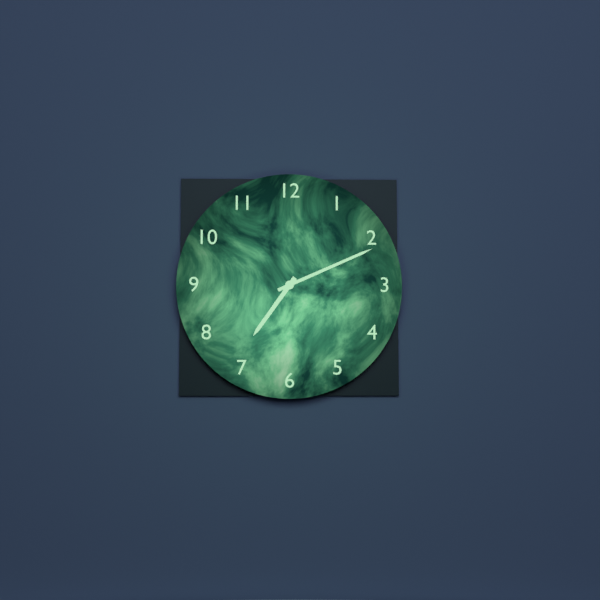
**7:11**
